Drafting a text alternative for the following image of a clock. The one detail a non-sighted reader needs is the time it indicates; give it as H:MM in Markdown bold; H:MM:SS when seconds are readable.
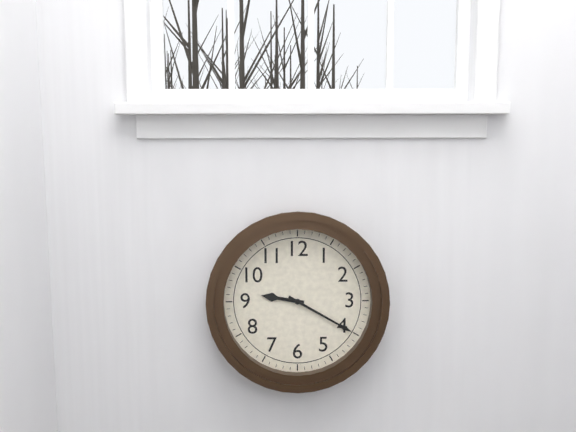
**9:20**
